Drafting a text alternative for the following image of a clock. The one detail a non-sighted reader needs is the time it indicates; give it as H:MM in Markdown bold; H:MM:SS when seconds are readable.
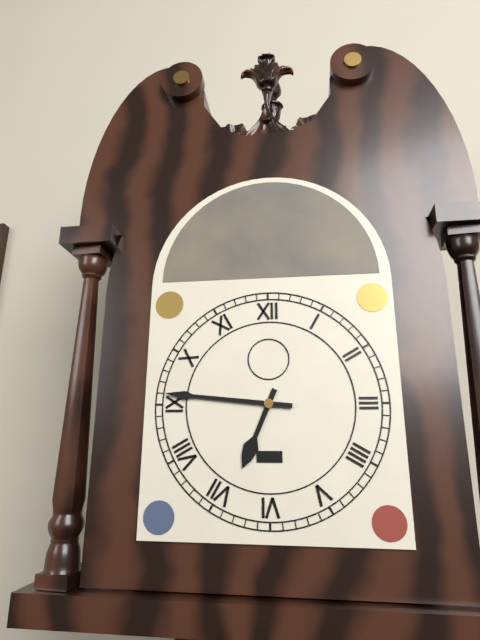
**6:46**
